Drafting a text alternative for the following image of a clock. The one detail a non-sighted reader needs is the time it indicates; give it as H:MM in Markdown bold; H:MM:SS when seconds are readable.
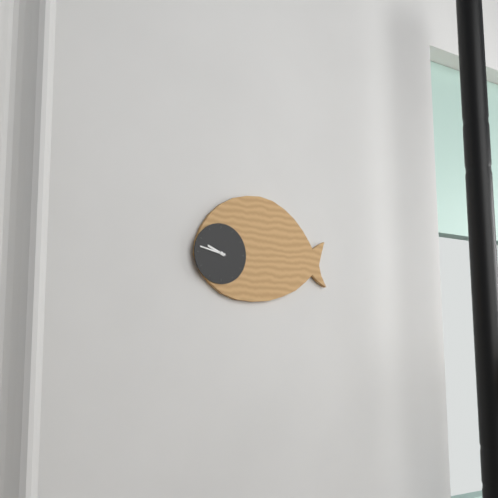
**9:47**
